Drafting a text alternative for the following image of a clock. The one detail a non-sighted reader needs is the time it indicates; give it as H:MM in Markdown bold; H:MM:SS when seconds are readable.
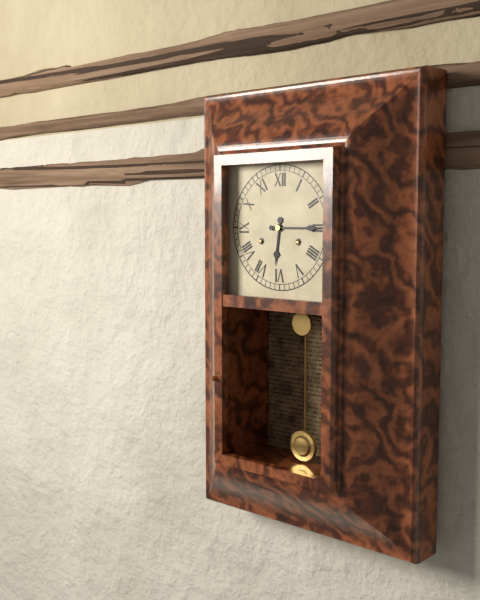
**6:15**
